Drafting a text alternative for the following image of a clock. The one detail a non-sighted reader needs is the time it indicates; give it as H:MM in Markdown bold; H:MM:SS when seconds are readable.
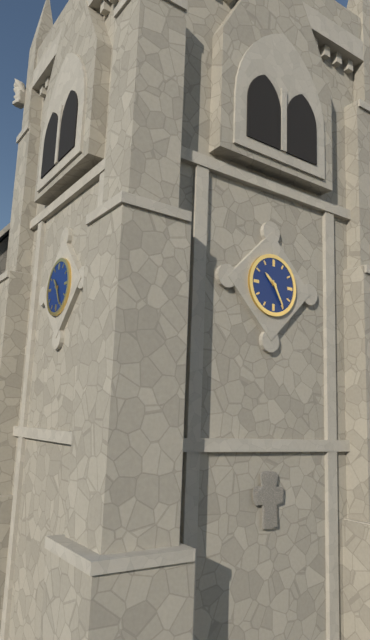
**10:25**
